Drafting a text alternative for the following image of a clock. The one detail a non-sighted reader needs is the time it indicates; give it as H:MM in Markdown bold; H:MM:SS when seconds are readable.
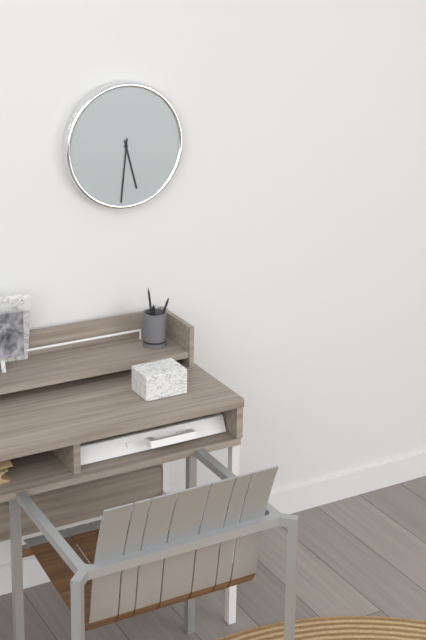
**5:31**
